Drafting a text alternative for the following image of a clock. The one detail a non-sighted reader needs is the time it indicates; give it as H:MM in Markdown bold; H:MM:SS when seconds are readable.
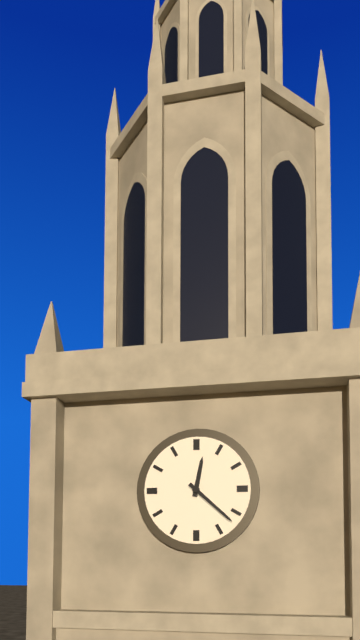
**12:22**
